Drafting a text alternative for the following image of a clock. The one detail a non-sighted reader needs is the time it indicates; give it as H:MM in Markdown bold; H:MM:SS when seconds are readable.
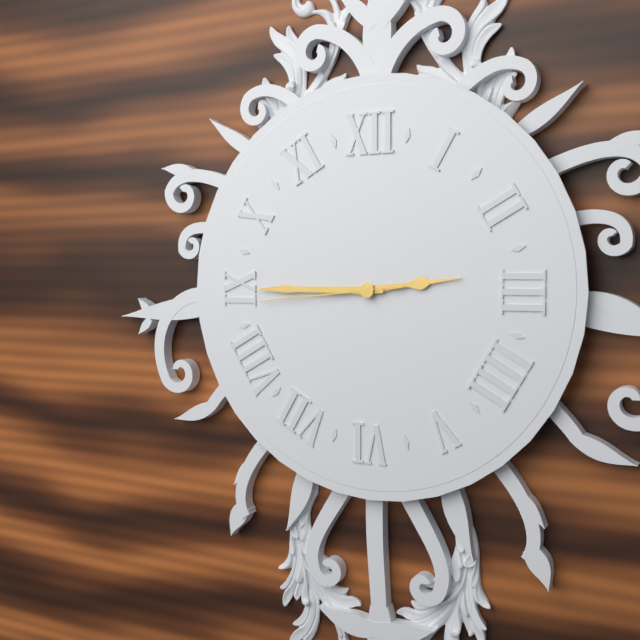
**2:45:44**
